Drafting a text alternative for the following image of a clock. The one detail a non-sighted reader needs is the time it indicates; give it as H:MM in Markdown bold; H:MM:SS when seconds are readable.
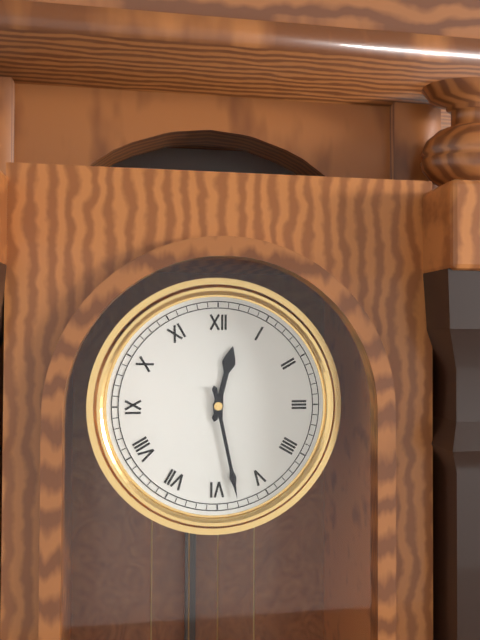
**12:28**
